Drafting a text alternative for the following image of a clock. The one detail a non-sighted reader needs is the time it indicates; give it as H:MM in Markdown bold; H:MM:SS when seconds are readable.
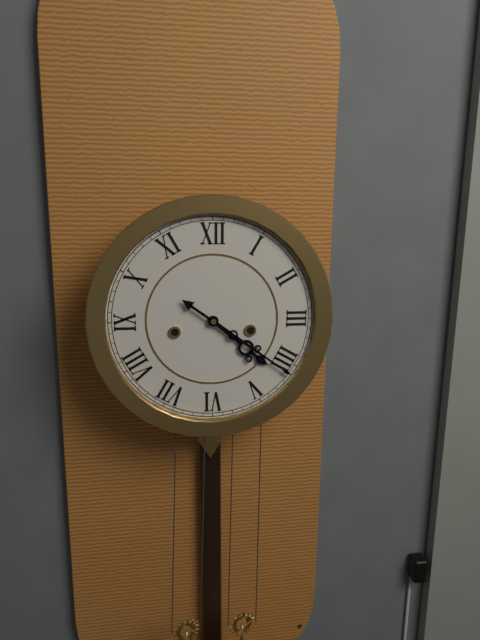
**4:21**
